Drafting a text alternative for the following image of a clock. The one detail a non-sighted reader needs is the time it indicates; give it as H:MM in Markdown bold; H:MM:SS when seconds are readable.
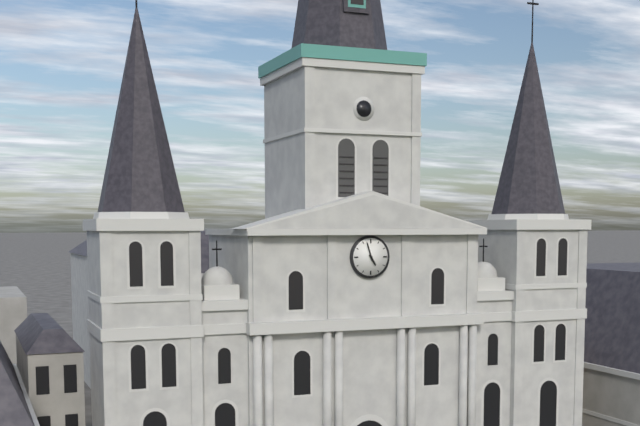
**4:57**
